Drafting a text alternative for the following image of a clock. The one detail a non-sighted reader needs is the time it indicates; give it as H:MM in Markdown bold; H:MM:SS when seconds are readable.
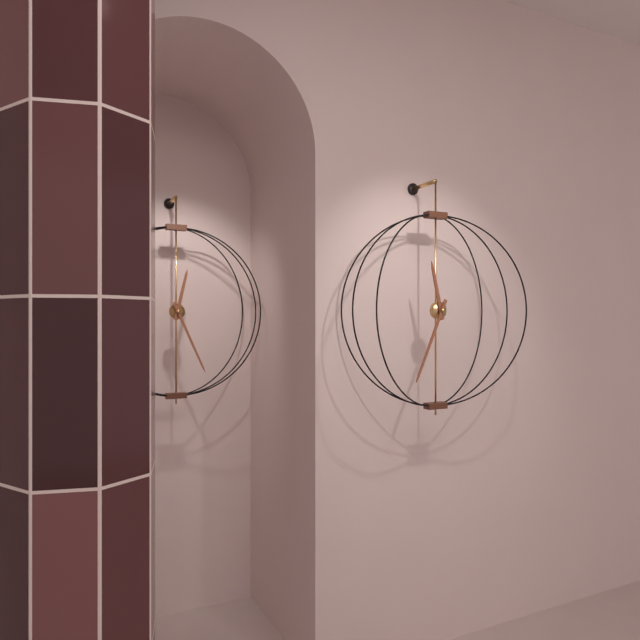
**11:34**
